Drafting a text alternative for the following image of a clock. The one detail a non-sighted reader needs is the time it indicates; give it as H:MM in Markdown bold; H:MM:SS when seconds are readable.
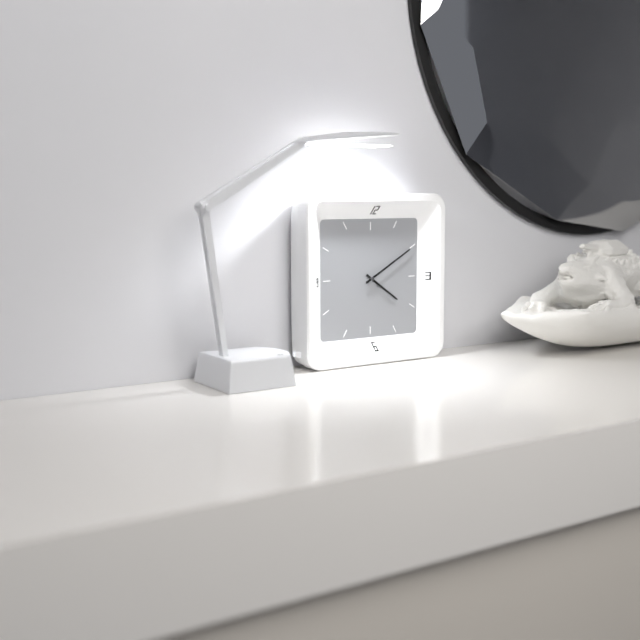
**4:10**
